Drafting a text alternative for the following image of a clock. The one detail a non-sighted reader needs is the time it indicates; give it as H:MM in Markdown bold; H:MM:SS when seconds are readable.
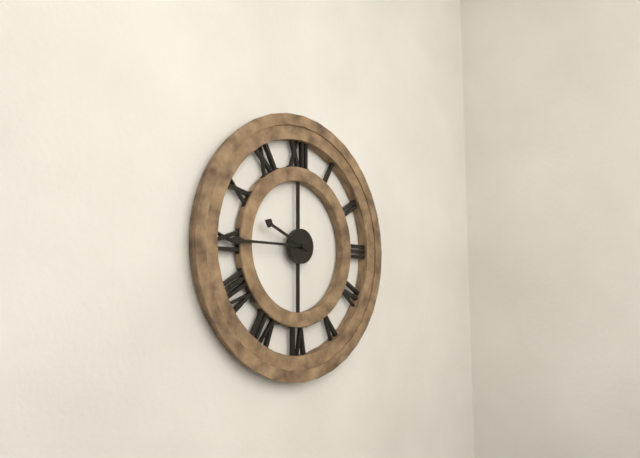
**9:45**
